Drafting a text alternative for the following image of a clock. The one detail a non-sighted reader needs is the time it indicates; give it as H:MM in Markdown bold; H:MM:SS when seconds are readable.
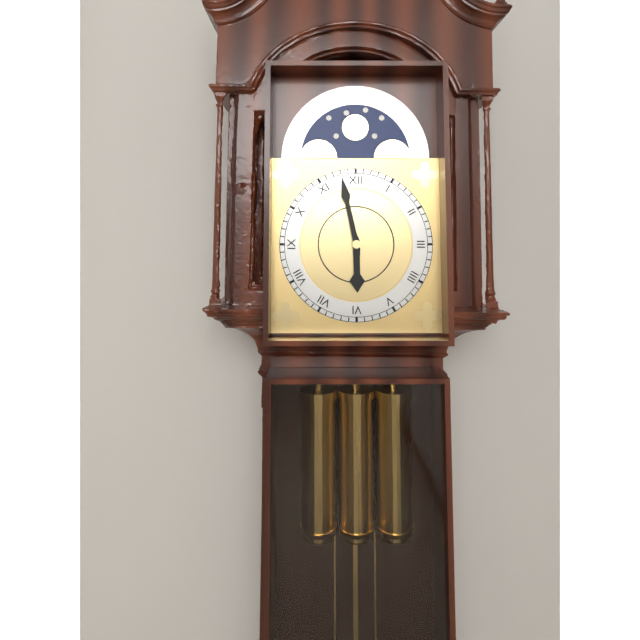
**5:58**
